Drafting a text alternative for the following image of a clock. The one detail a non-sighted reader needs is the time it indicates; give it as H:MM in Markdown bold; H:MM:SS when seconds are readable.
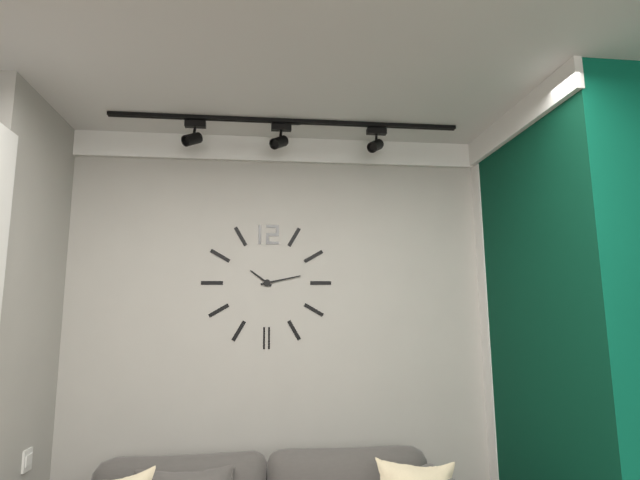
**10:13**
